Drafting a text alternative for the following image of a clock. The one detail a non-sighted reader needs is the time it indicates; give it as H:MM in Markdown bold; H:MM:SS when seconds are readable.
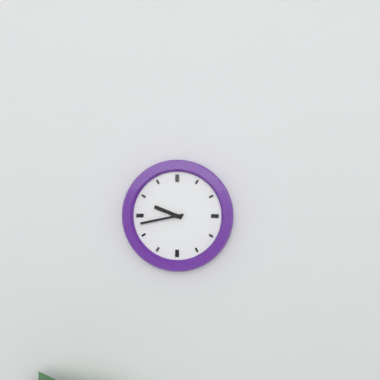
**9:43**
